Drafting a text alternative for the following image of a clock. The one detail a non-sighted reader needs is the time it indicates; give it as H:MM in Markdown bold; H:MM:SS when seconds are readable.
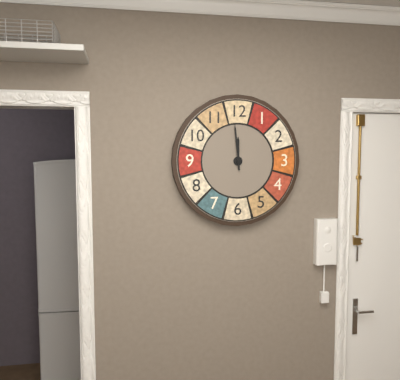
**11:59**
